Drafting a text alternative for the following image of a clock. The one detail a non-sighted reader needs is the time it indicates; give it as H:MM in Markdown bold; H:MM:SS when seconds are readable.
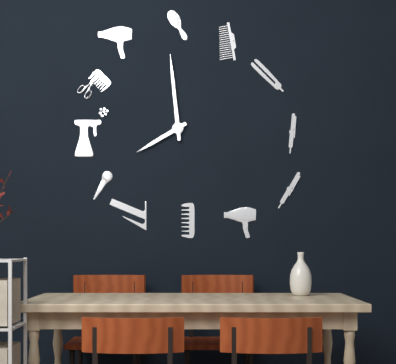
**7:59**
